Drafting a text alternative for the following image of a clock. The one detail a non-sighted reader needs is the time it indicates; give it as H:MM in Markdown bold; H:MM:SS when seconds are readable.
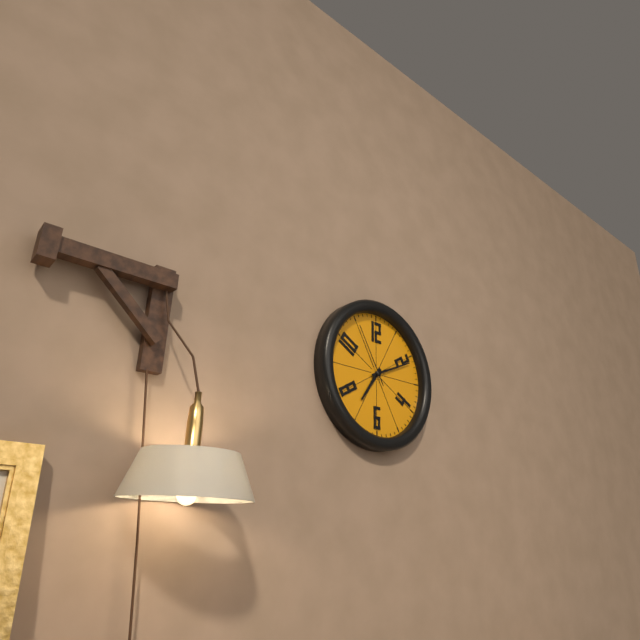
**7:11:55**
